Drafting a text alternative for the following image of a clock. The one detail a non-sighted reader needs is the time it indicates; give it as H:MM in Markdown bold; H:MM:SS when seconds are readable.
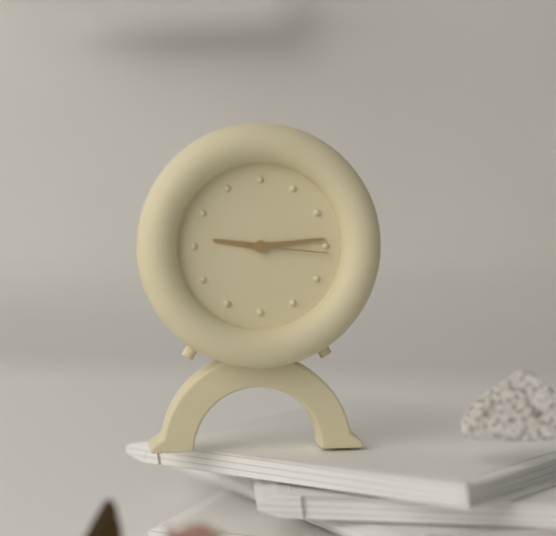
**9:14:16**
